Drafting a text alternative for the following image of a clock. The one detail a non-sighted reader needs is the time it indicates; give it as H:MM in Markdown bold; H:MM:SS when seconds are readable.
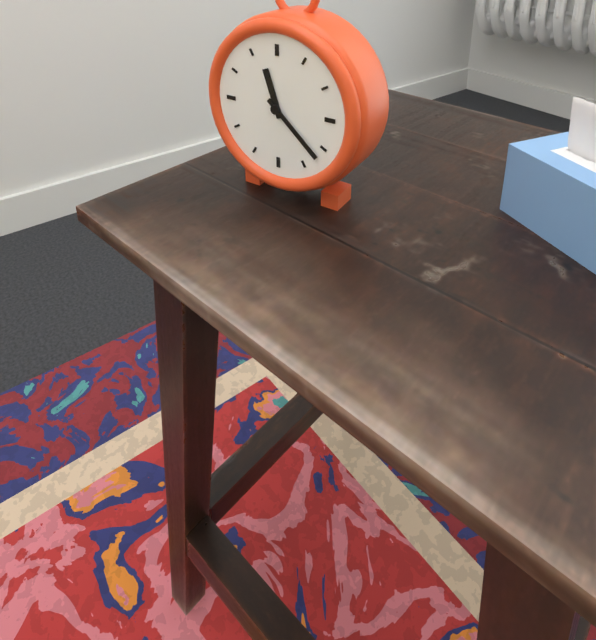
**11:22**
